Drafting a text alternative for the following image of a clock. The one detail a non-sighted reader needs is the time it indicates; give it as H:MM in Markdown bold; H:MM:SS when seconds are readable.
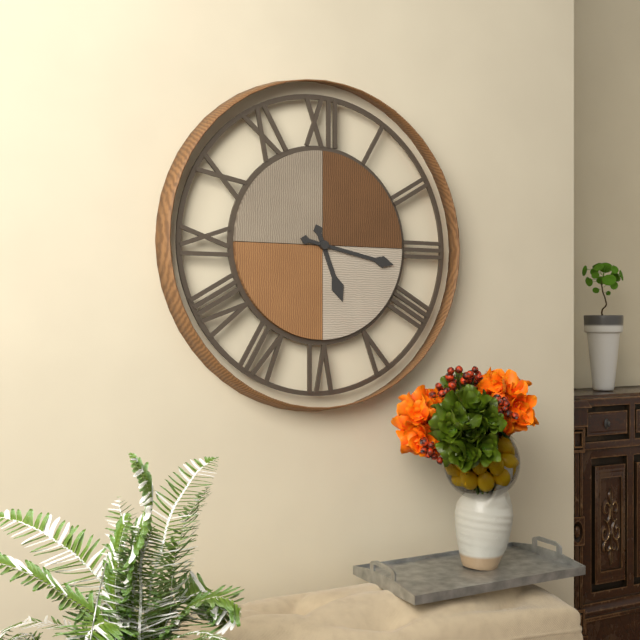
**5:17**
